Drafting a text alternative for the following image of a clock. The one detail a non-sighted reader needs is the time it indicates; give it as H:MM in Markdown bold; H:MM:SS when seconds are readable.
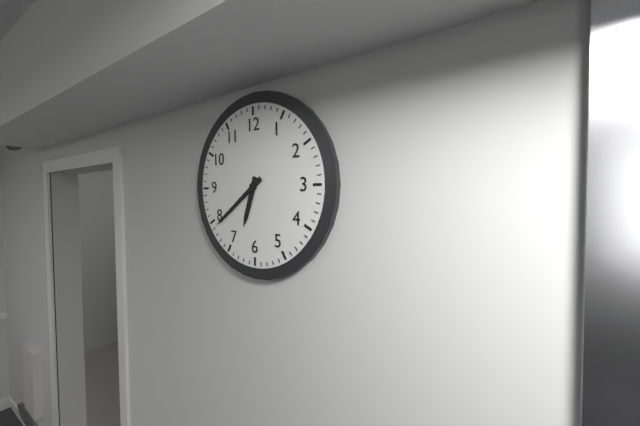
**6:39**
